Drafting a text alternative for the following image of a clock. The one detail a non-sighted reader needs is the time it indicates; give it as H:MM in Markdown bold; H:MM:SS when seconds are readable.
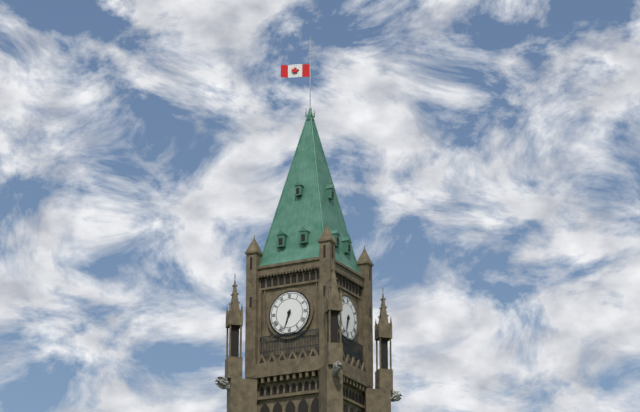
**6:33**
